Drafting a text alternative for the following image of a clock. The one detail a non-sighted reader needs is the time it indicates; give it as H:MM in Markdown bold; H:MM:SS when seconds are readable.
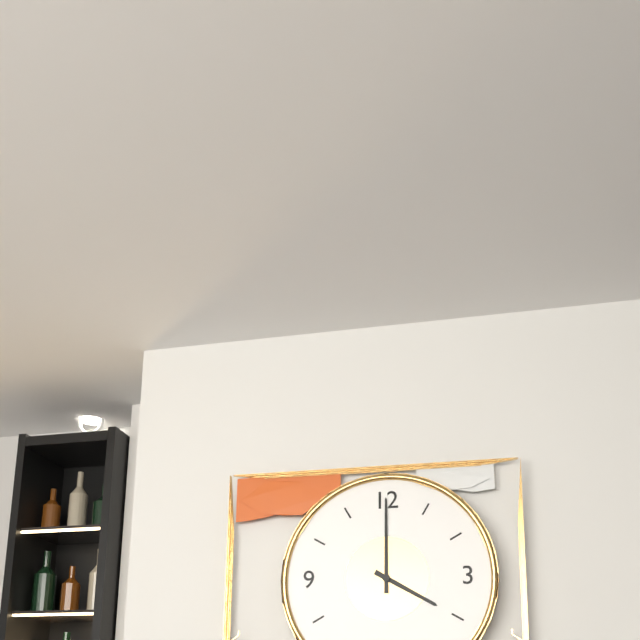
**4:00**
